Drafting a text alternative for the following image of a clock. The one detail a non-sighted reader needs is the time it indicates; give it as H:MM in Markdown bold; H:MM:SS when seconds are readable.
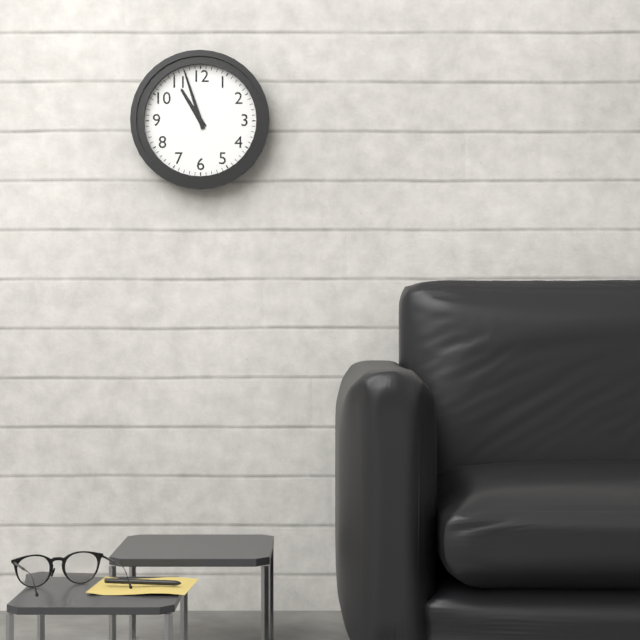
**10:57**
